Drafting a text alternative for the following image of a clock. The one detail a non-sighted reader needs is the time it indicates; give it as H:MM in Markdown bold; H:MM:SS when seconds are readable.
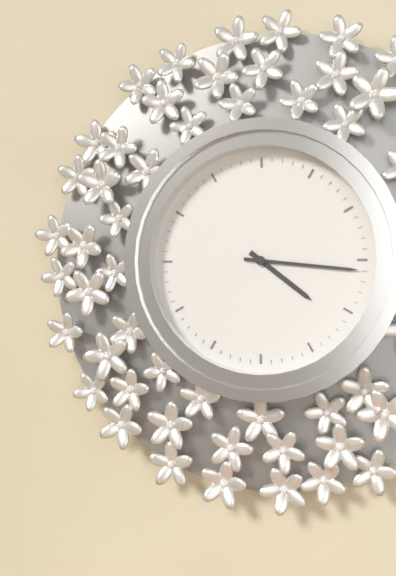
**4:16**
